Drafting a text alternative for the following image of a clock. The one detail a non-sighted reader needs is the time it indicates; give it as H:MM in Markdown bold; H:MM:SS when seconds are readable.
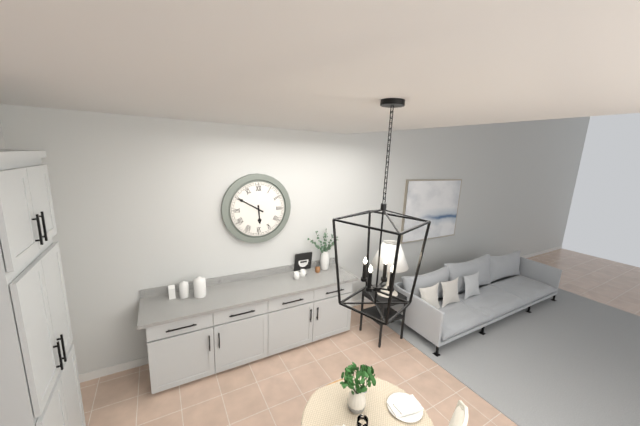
**5:50**
